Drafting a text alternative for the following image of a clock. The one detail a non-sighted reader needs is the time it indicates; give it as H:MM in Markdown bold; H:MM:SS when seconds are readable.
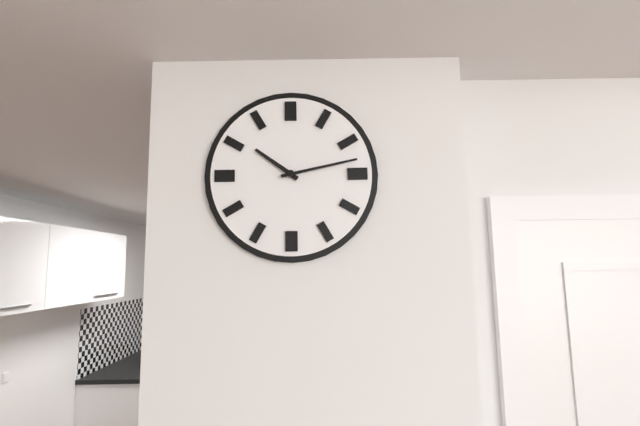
**10:13**
